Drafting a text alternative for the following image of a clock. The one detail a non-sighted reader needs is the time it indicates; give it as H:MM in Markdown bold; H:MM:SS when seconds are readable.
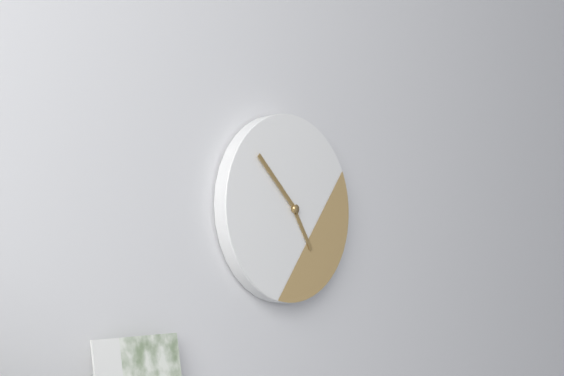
**4:52**
